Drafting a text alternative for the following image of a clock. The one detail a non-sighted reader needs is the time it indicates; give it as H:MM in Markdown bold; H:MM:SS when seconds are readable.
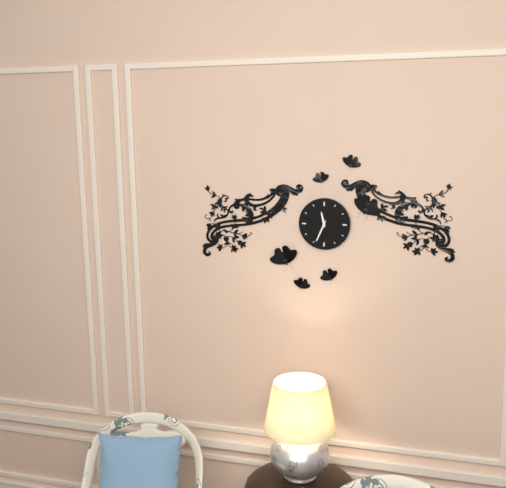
**11:34**
